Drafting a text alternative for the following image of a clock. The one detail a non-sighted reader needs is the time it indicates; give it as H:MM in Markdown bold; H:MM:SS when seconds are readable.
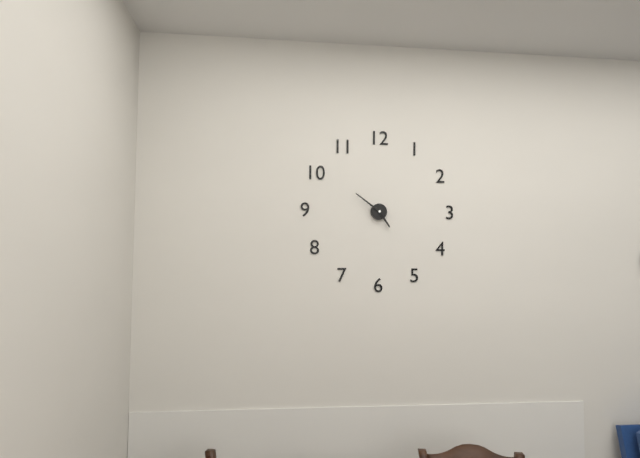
**4:51**
